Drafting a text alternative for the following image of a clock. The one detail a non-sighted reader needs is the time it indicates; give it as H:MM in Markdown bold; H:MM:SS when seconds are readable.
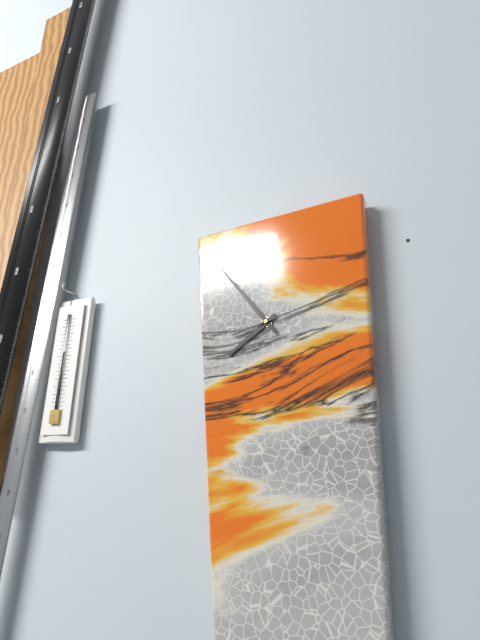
**7:54:13**
